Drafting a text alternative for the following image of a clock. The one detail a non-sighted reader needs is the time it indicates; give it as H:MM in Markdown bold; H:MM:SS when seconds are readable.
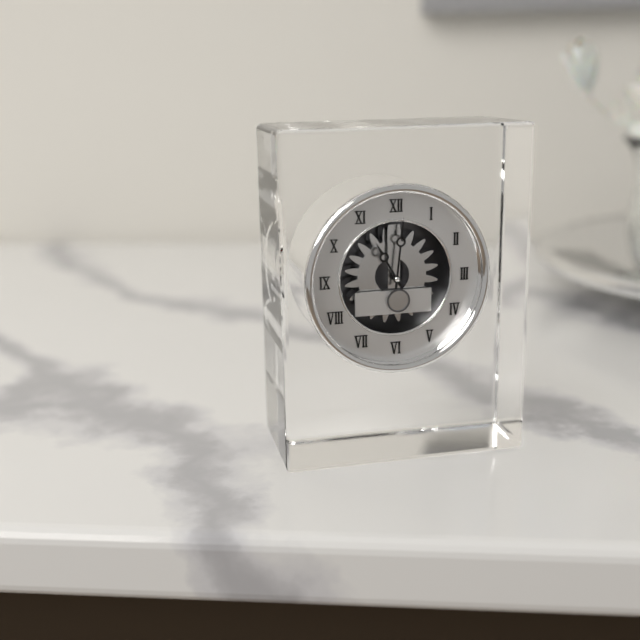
**11:01**
